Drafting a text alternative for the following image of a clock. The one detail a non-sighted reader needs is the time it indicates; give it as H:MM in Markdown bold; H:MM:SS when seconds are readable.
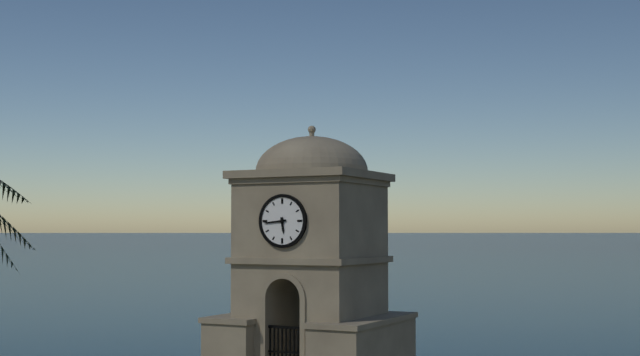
**5:44**
